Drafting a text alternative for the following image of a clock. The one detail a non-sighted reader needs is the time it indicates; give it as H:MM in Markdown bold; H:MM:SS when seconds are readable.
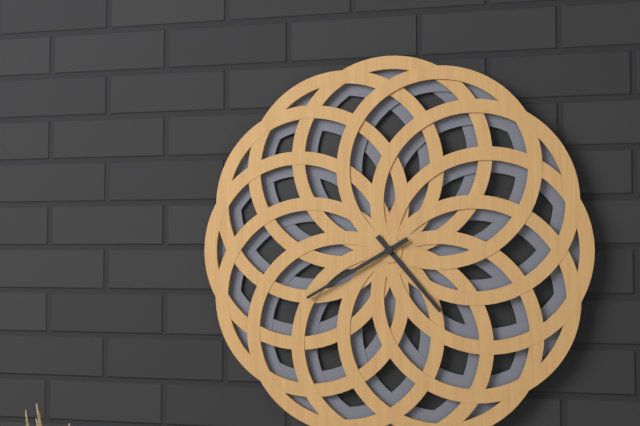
**4:40**
